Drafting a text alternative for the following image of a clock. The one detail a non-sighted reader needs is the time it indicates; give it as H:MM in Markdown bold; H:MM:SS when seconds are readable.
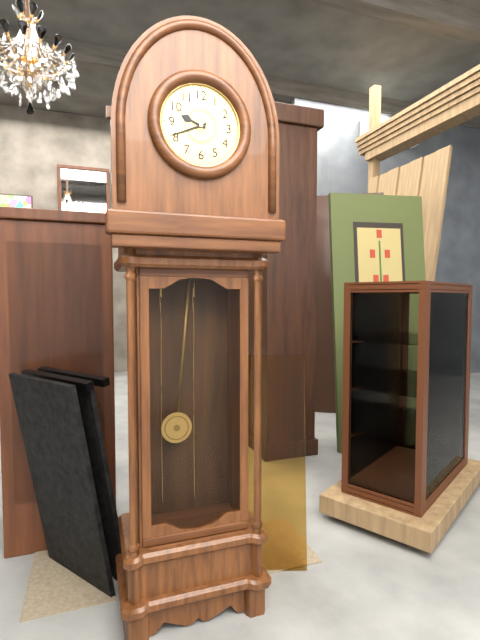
**9:41**
